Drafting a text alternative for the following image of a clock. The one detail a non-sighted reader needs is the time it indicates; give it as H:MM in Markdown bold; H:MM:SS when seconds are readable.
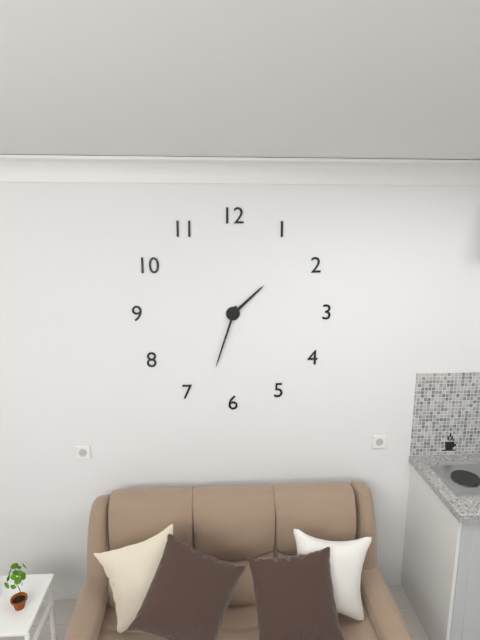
**1:33**
